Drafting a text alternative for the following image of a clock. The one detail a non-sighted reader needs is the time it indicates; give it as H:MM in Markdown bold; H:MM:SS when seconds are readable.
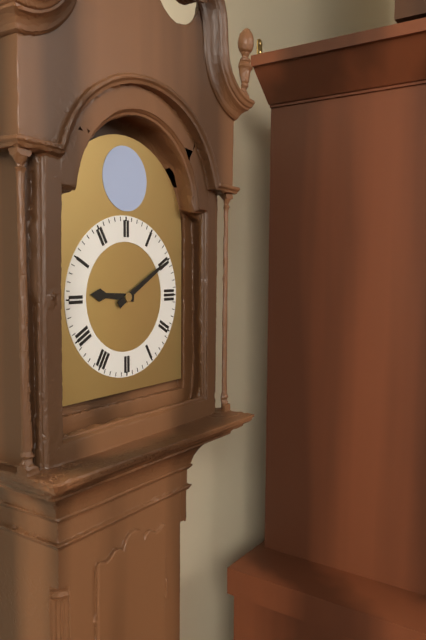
**9:10**
